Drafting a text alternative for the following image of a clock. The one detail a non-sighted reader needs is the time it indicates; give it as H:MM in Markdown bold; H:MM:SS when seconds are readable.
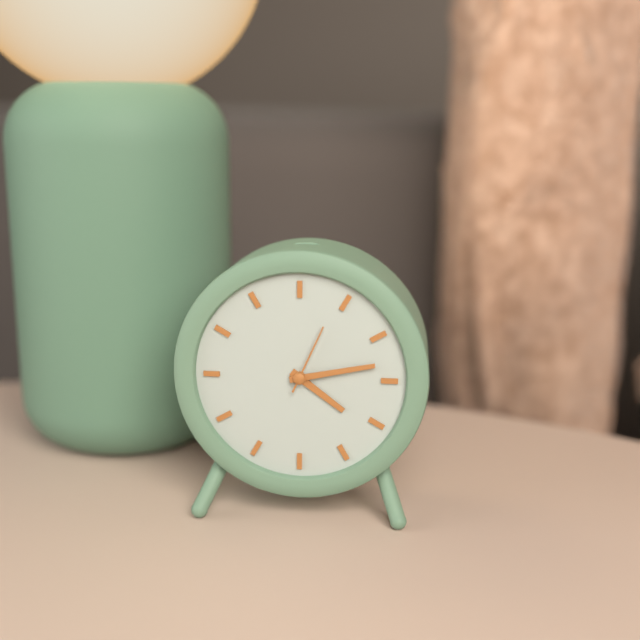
**4:13:04**
